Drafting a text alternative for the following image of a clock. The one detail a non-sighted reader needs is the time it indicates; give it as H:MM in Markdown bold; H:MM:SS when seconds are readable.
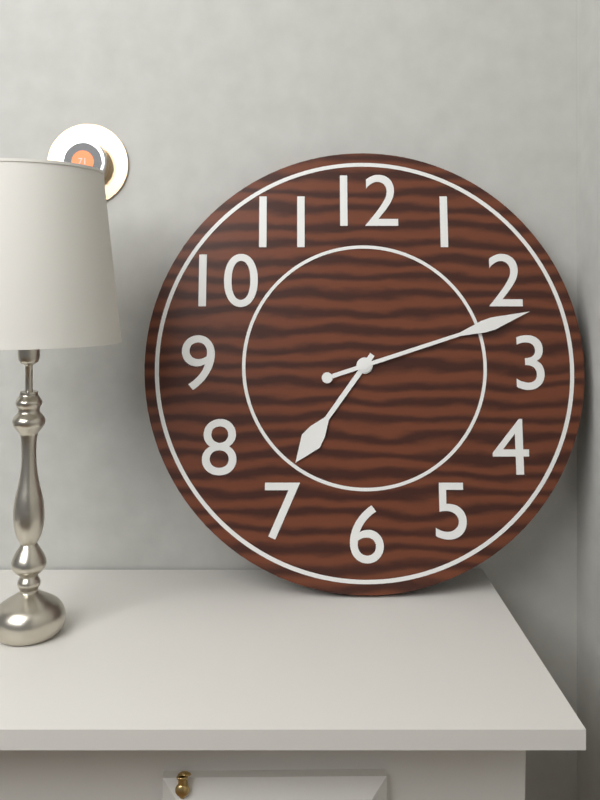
**7:12**
